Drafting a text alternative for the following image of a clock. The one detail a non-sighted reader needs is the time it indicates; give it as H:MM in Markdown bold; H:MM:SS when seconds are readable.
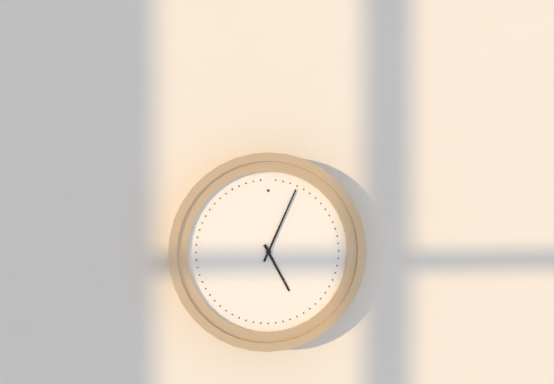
**5:04**
